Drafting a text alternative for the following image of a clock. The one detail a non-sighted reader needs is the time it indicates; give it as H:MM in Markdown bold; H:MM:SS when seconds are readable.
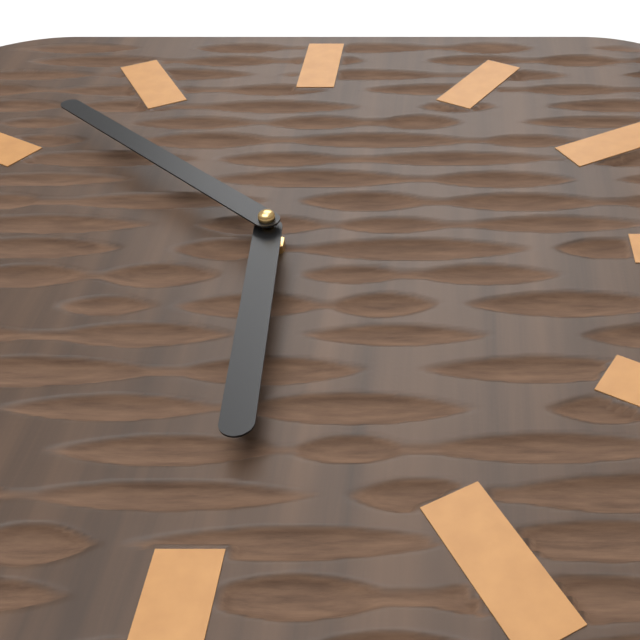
**5:52**
